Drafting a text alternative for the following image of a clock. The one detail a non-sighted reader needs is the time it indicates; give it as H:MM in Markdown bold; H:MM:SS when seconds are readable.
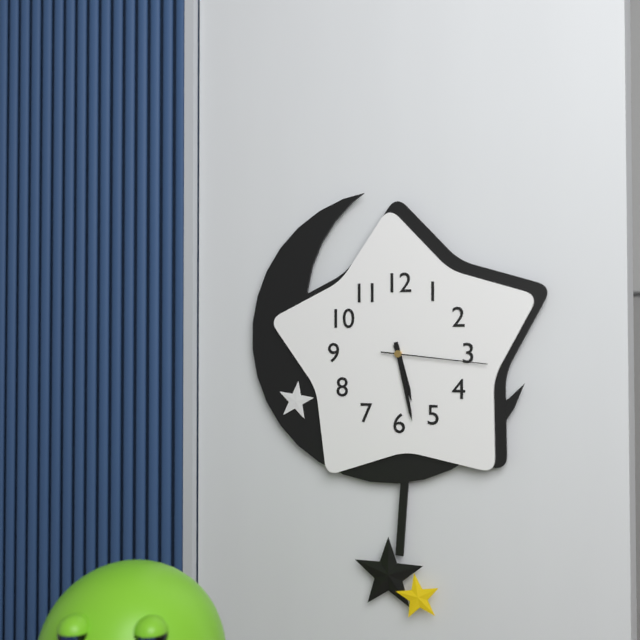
**5:28:16**
